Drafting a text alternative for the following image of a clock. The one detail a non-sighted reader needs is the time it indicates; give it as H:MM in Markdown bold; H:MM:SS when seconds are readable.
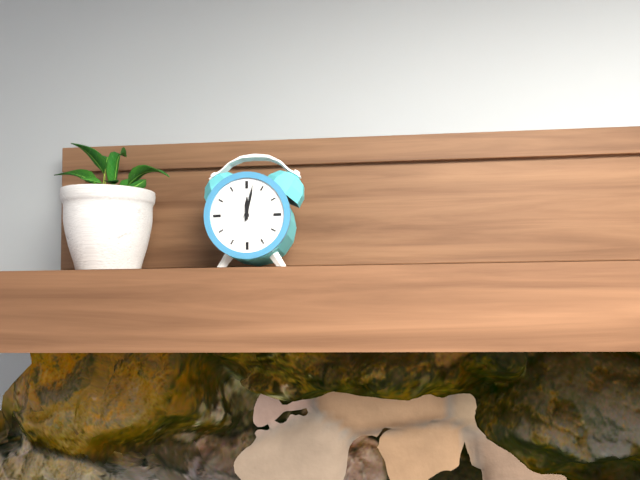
**12:02**
